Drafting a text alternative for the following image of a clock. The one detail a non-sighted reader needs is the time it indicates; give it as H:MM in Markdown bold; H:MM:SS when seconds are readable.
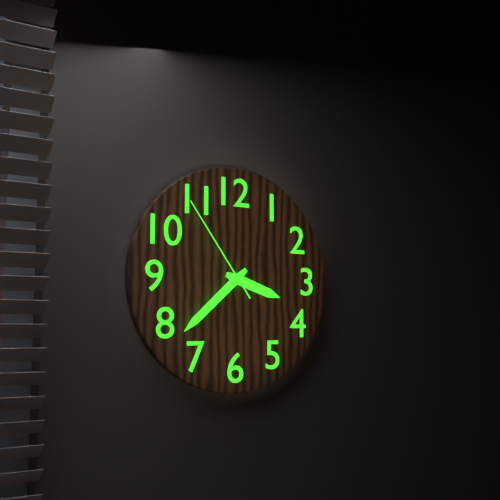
**3:38:54**
